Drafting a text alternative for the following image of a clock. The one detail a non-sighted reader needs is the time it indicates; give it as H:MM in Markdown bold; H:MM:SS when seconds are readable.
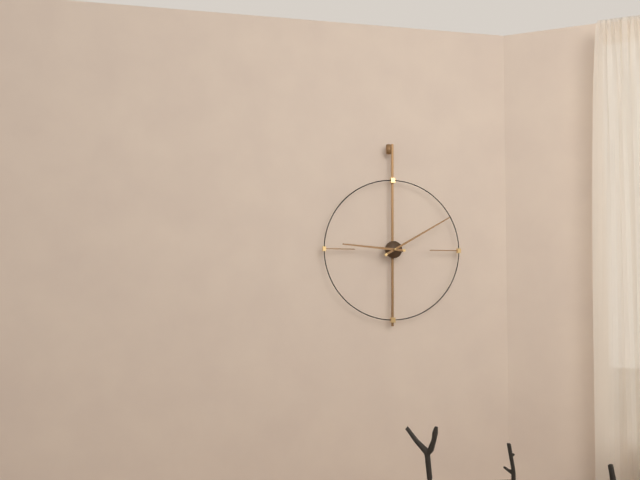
**9:10**
